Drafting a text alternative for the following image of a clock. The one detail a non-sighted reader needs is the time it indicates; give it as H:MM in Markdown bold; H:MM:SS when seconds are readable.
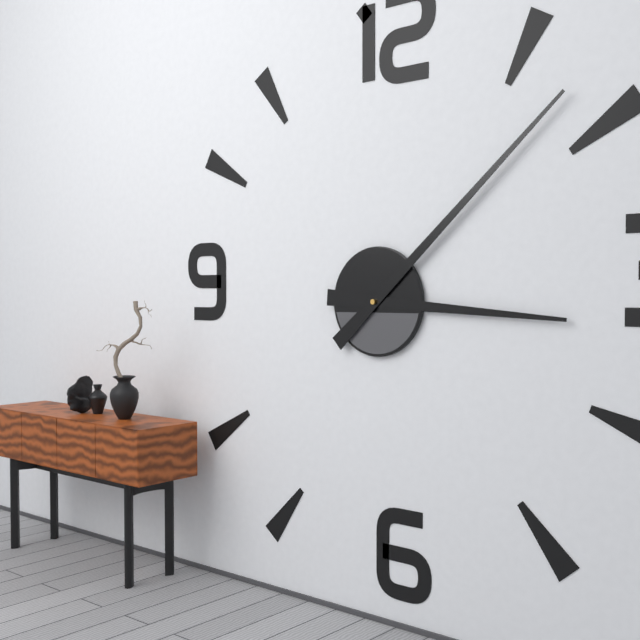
**3:08**
